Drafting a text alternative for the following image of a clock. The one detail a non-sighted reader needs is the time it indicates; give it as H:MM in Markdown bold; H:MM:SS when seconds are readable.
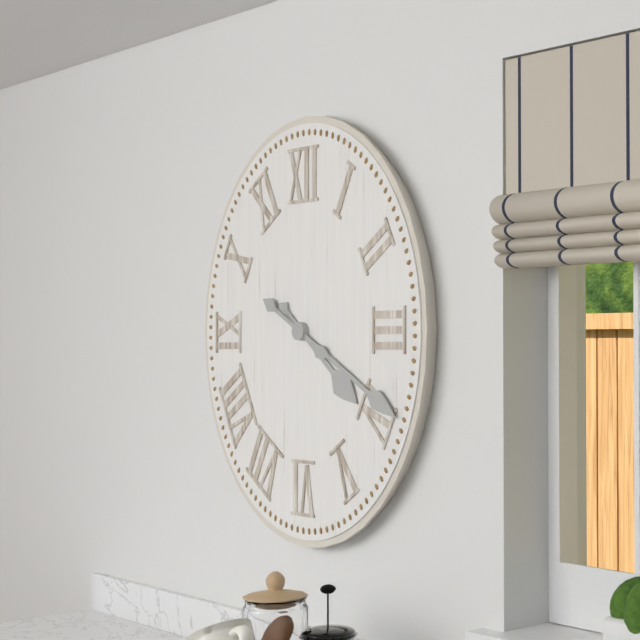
**4:20**
